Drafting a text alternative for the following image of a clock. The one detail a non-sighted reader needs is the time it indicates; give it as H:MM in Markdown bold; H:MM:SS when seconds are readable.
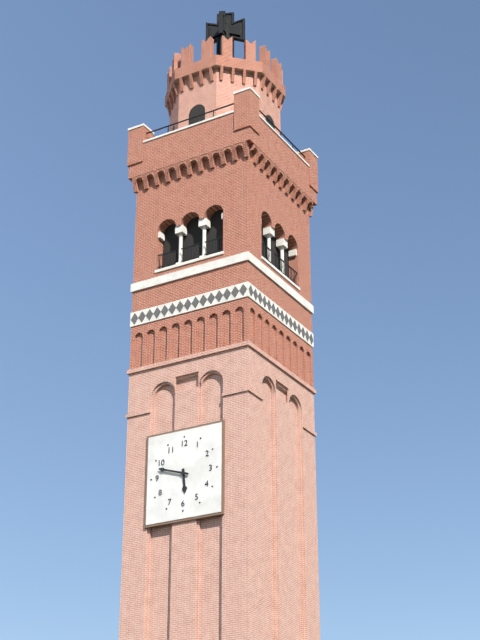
**5:48**
